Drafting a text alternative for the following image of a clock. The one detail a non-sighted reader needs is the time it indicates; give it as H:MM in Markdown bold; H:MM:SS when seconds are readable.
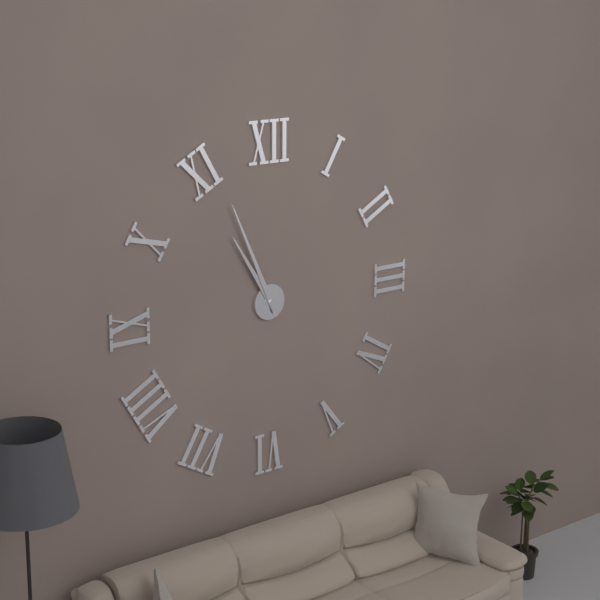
**10:56**
